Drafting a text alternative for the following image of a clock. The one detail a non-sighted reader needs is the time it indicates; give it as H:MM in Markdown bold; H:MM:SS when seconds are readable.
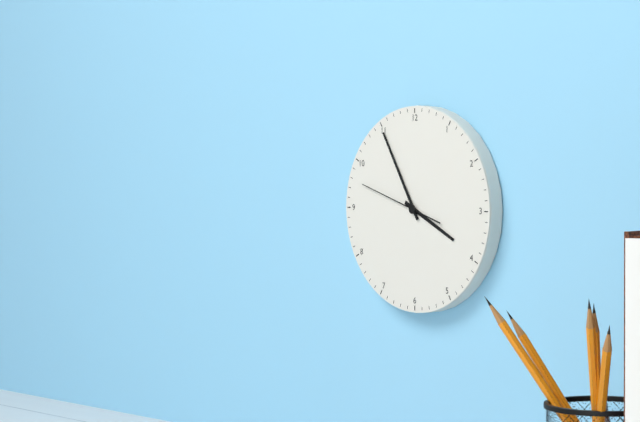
**3:55:48**
